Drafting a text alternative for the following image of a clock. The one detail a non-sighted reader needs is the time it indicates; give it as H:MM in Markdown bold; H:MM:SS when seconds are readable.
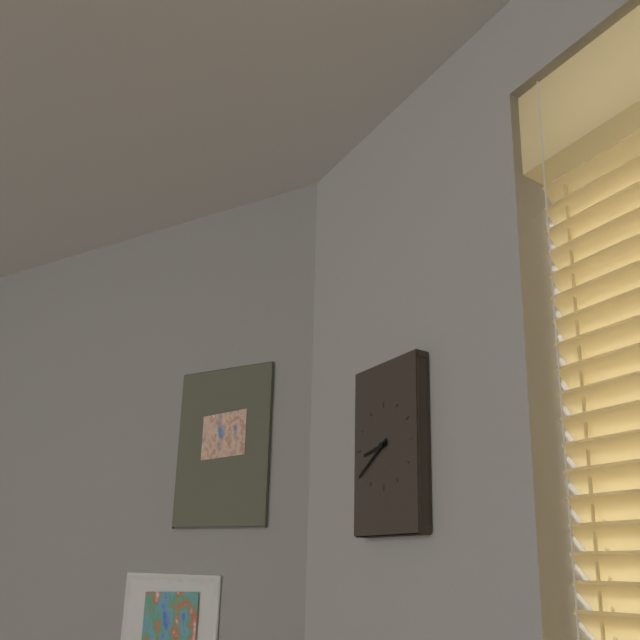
**8:39**
